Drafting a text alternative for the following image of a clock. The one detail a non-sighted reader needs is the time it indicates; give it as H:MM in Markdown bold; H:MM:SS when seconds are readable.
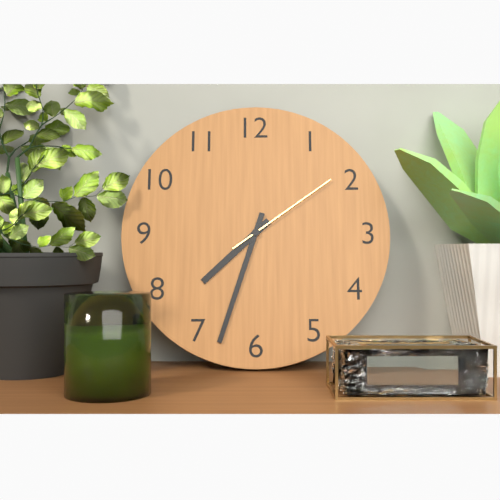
**7:33:09**
